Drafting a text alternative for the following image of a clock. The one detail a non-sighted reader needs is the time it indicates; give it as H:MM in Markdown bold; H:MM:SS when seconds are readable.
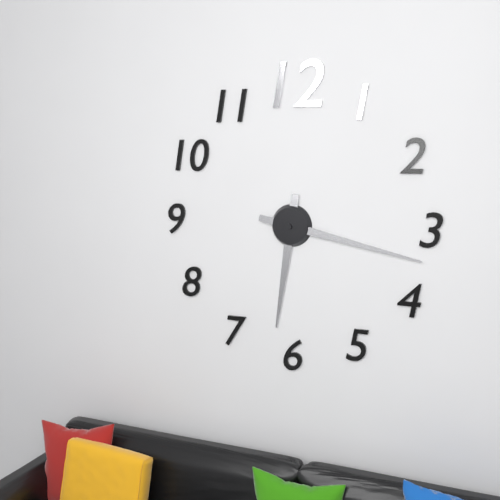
**6:17**
